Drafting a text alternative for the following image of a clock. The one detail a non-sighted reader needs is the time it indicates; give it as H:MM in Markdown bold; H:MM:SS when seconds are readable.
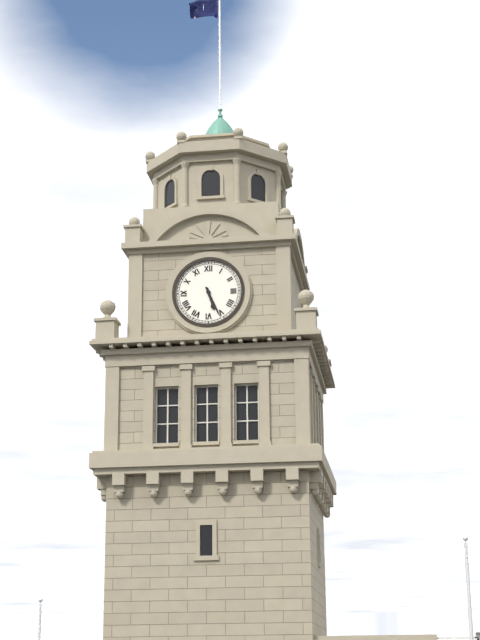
**5:26**
